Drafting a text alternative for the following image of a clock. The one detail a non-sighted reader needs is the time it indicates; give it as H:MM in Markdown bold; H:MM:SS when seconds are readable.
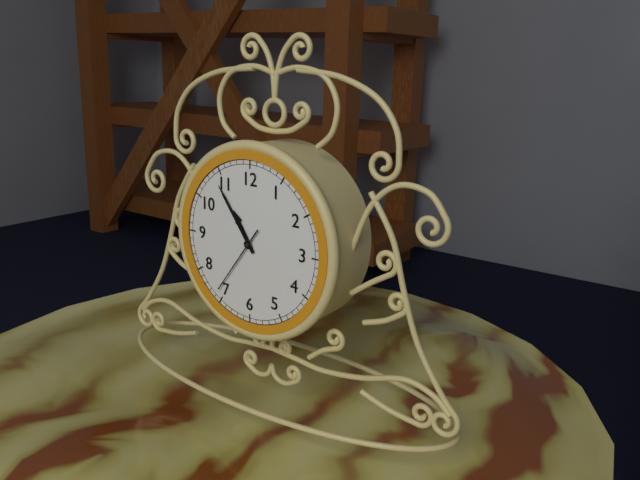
**10:54:36**
